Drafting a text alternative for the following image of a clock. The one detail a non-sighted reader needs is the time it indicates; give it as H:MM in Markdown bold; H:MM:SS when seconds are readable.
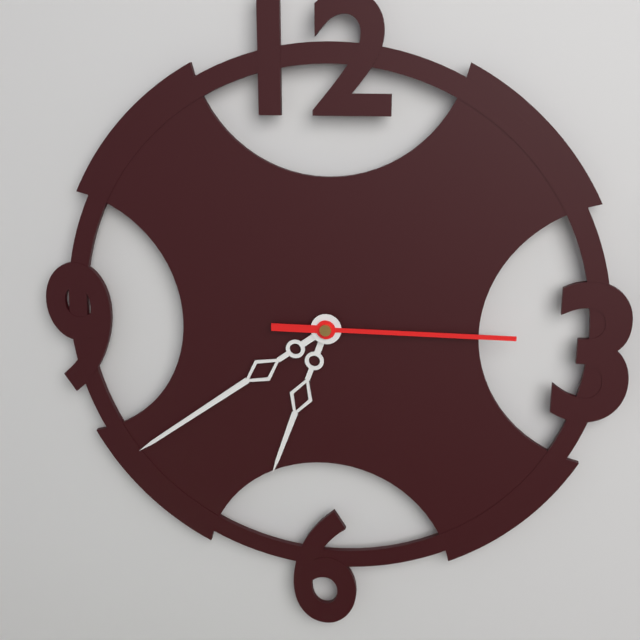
**6:39:15**
